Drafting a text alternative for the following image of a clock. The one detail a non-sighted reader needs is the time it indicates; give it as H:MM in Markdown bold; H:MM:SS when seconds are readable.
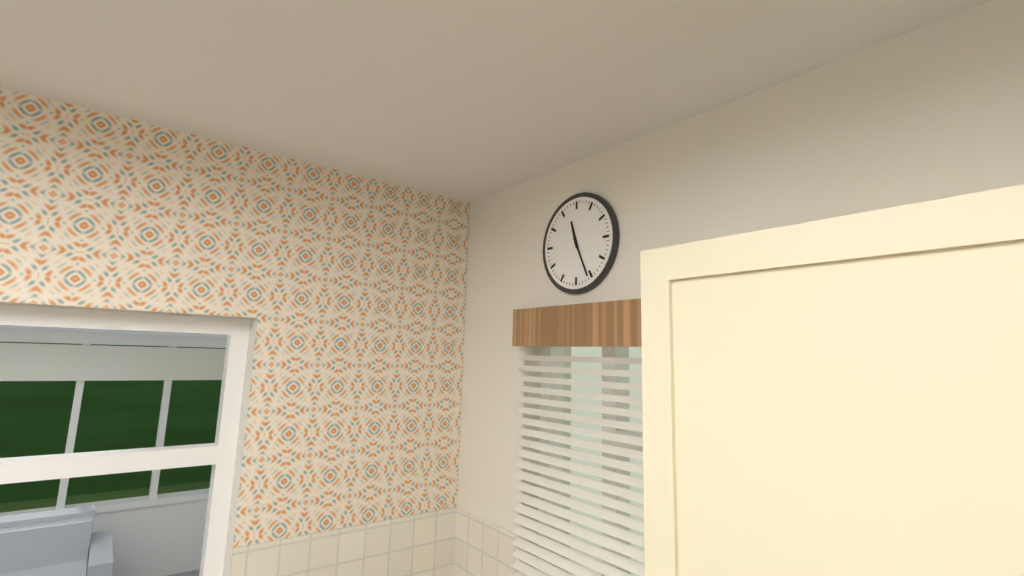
**11:26**
